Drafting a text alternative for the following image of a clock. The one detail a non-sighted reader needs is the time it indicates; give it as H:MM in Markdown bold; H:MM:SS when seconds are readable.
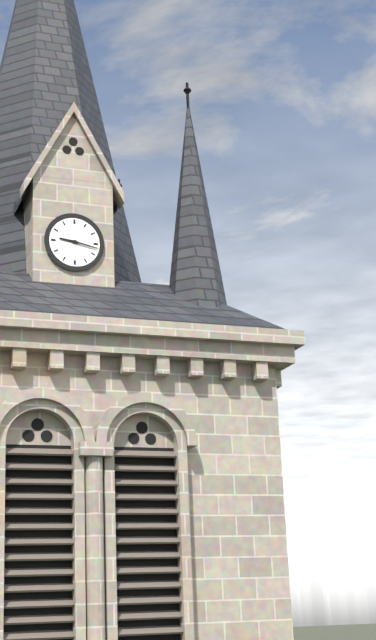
**9:17**
